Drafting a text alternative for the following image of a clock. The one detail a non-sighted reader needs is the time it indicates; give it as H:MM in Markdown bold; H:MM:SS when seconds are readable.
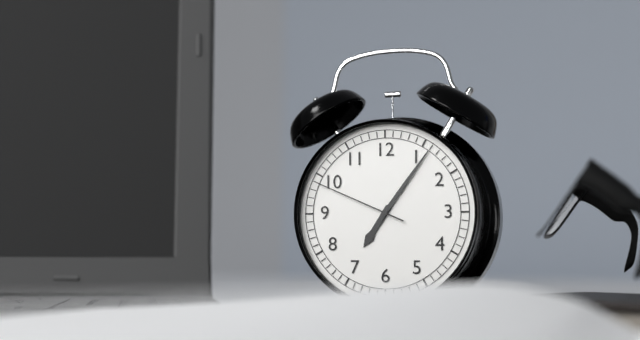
**7:06:49**
